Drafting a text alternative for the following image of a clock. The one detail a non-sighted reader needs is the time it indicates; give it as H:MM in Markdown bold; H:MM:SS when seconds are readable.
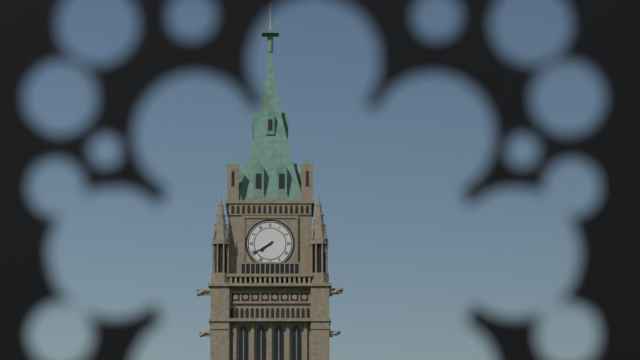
**7:40**
